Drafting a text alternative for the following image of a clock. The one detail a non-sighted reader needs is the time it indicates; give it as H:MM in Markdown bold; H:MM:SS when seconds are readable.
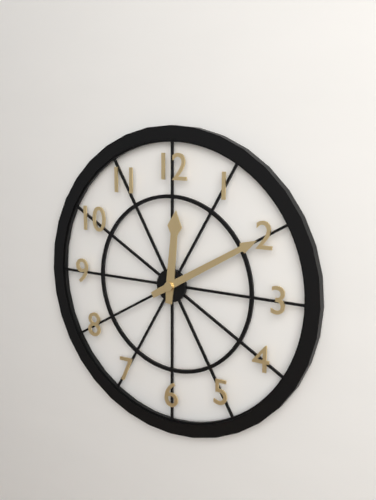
**12:10**
